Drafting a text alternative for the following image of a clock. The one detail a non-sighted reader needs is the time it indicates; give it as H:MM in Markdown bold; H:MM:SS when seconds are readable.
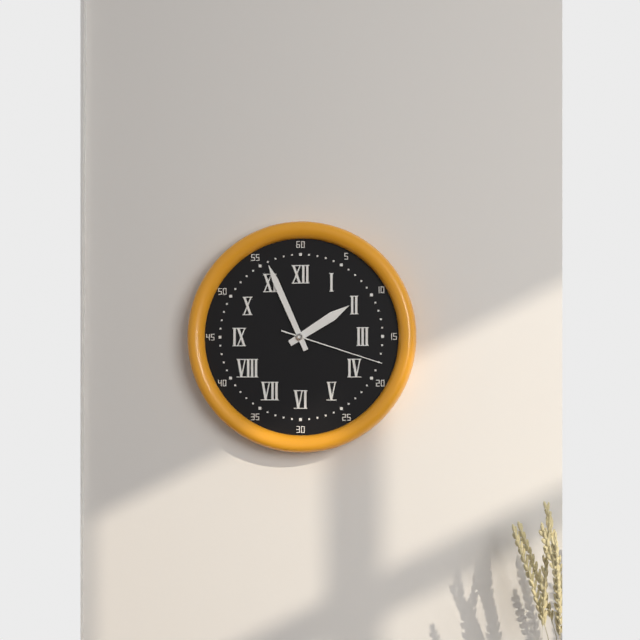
**1:56:18**
